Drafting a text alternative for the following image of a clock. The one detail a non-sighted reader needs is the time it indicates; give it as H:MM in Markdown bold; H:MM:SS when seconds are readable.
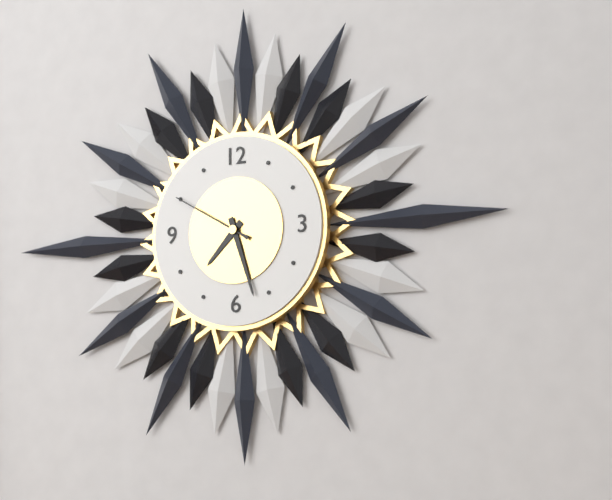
**7:27:50**
